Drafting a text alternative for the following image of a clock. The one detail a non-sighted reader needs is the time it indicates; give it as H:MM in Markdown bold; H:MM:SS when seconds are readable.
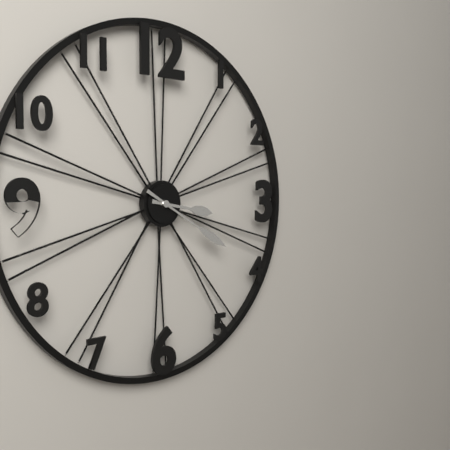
**3:20**
